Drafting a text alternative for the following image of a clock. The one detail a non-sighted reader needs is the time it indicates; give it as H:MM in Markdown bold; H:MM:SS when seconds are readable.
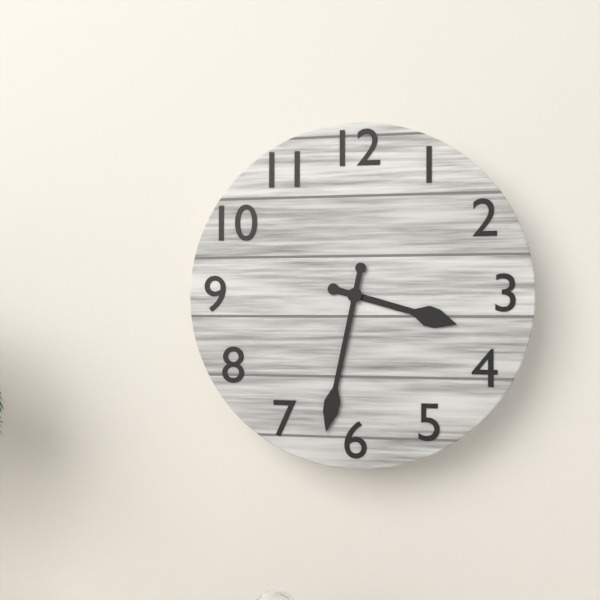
**3:32**
